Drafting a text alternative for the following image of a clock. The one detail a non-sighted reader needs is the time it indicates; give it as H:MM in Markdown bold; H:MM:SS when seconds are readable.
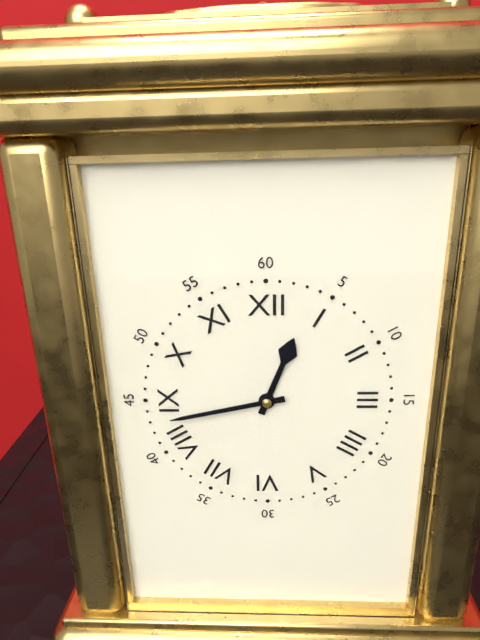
**12:43**
